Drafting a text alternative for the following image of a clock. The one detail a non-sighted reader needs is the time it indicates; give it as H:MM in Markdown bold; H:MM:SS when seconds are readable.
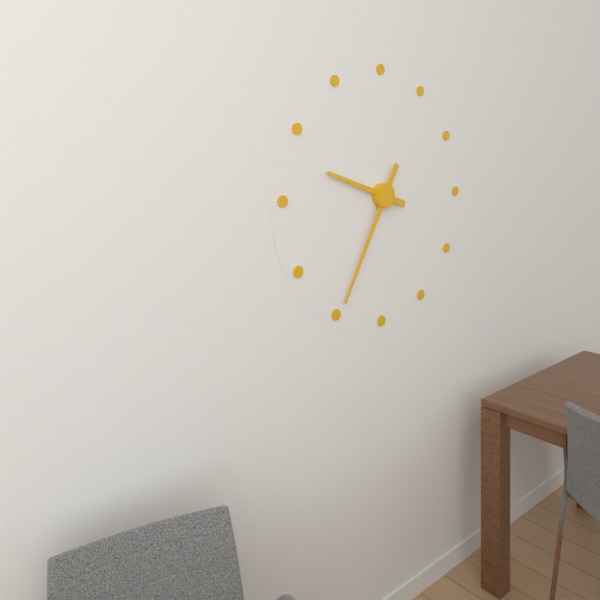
**9:35**
